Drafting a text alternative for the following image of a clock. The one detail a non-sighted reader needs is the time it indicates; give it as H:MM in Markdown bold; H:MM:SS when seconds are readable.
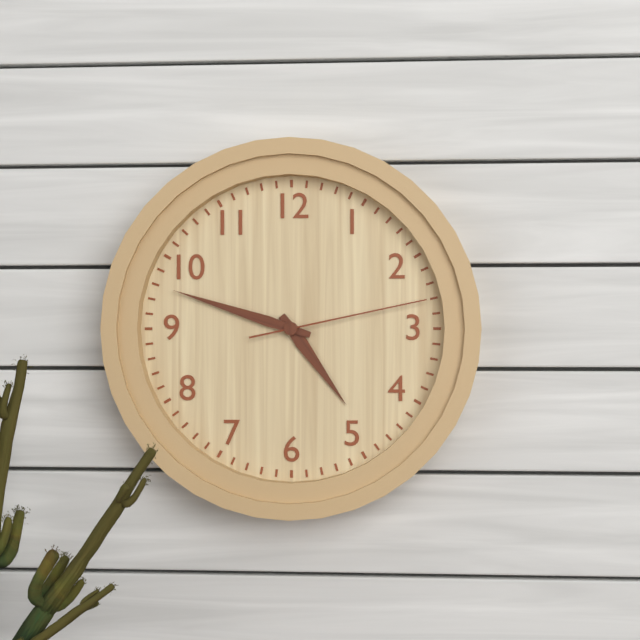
**4:48:13**
